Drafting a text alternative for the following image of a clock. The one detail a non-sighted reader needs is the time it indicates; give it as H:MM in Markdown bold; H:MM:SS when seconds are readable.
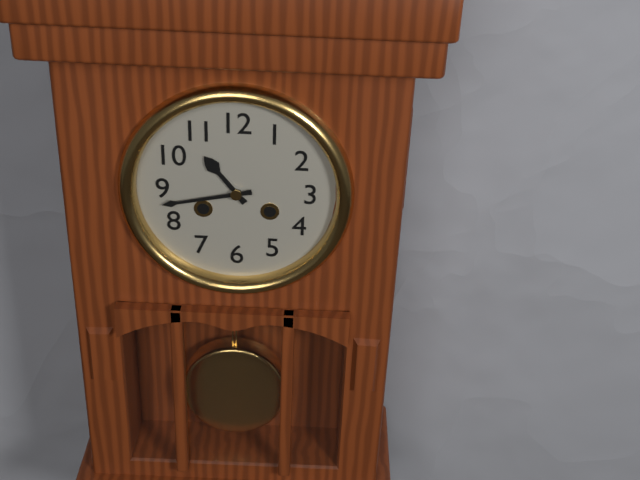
**10:43**
